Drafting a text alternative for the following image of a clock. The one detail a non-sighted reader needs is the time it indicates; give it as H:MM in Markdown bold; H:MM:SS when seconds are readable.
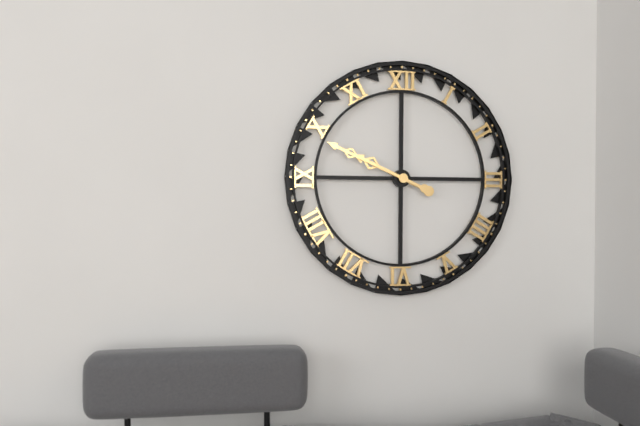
**9:49**
